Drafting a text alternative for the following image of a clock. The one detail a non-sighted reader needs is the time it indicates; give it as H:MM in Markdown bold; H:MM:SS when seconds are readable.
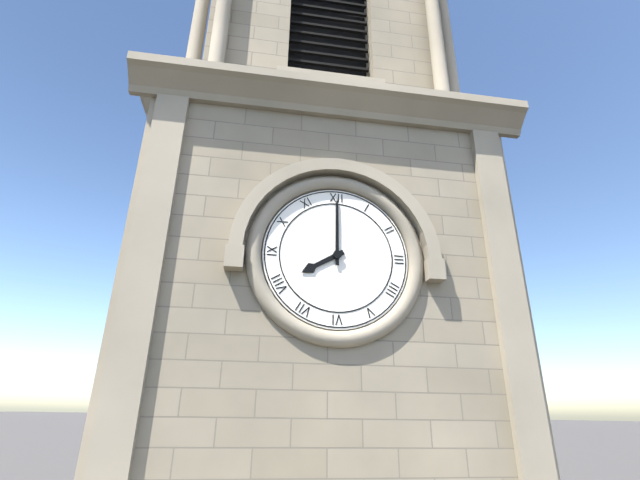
**8:00**
